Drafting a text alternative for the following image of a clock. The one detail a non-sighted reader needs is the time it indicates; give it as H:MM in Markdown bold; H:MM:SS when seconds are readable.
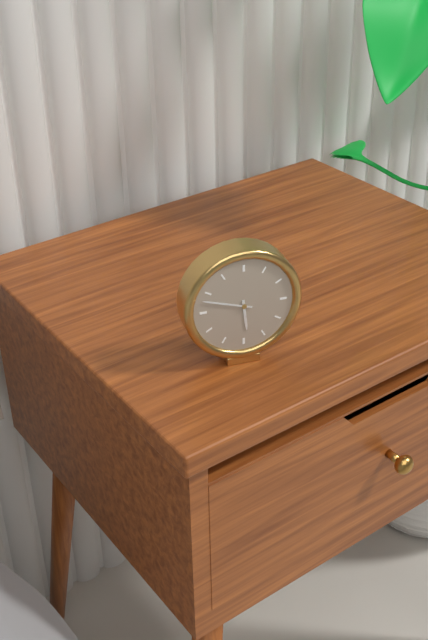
**5:48**
